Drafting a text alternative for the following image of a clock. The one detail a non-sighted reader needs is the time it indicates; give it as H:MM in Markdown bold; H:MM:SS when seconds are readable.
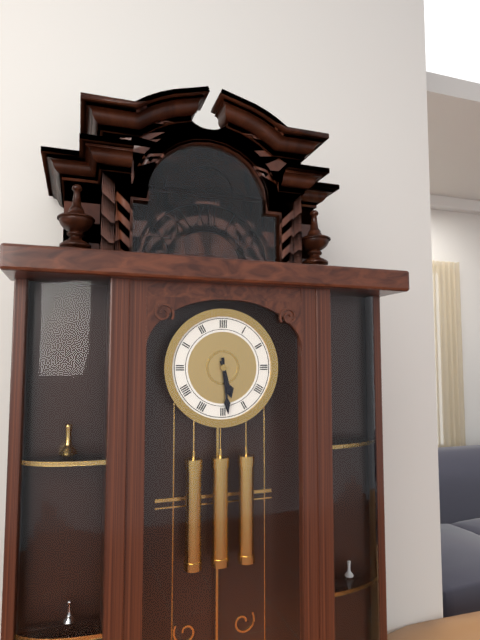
**5:29**
